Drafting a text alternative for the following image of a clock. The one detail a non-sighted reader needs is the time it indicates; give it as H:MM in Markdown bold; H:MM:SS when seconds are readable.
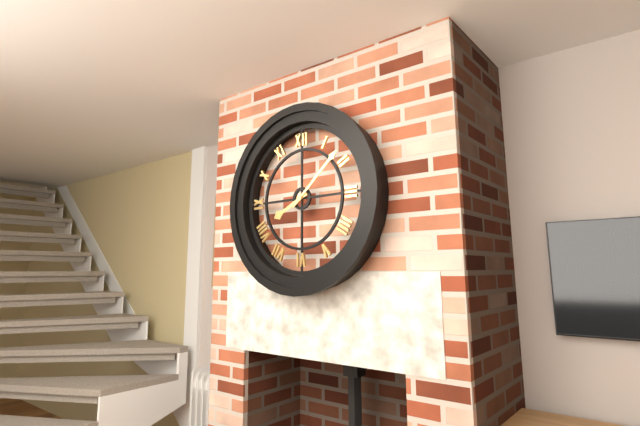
**8:08**
